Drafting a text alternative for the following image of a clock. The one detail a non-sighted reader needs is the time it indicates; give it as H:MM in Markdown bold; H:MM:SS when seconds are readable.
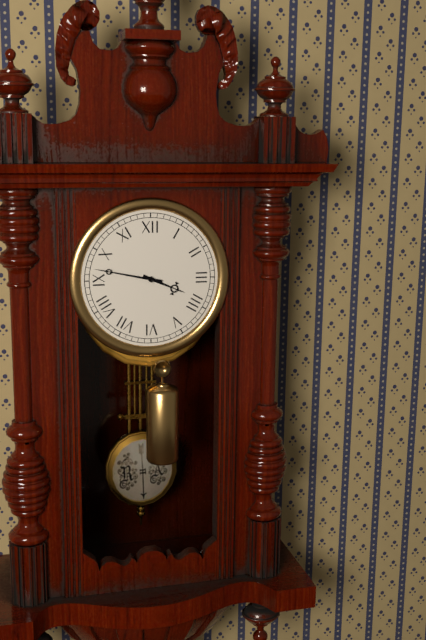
**3:47**
